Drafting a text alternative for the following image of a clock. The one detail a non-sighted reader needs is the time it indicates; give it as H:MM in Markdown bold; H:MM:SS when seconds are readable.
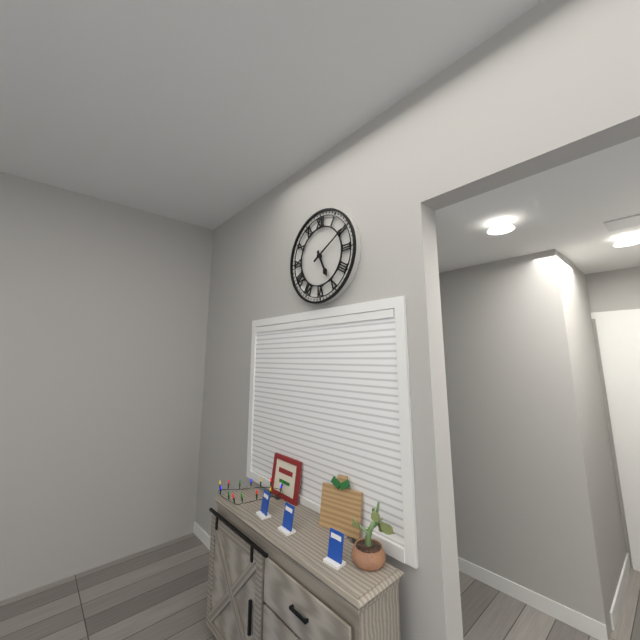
**5:10**
